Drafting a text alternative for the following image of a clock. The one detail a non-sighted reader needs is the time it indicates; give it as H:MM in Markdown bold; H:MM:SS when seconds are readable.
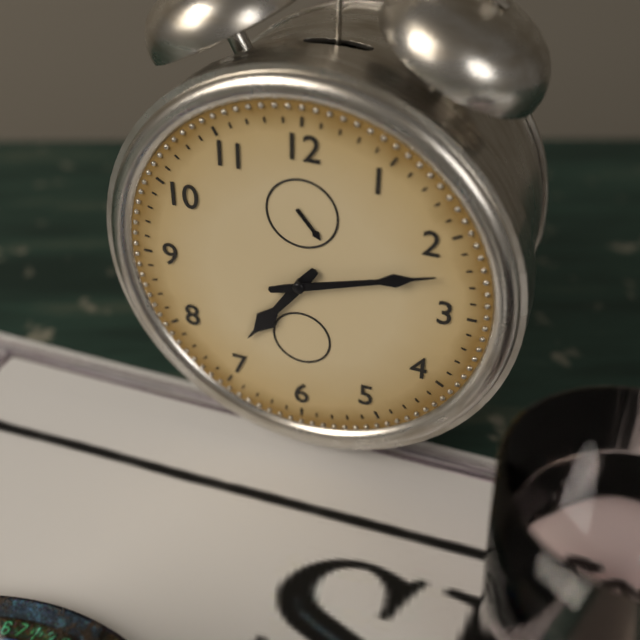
**7:12**
